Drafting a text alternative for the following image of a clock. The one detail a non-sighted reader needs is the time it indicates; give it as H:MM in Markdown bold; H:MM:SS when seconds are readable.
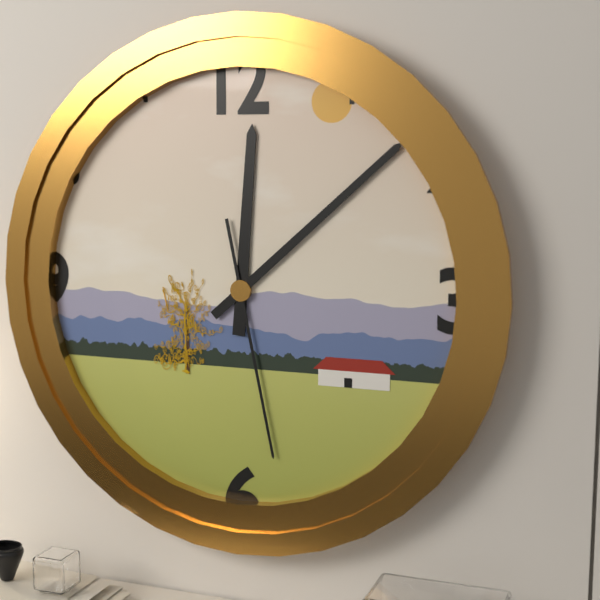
**12:08:28**
